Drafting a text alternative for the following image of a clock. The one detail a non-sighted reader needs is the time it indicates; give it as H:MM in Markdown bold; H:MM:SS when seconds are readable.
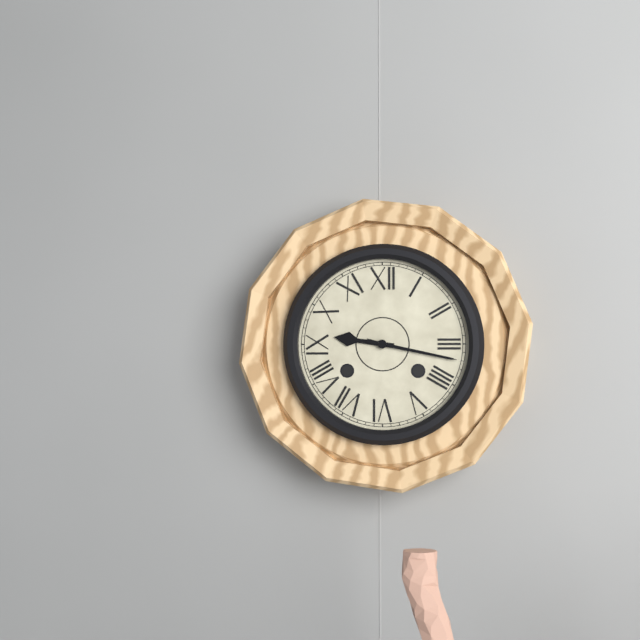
**9:17**
